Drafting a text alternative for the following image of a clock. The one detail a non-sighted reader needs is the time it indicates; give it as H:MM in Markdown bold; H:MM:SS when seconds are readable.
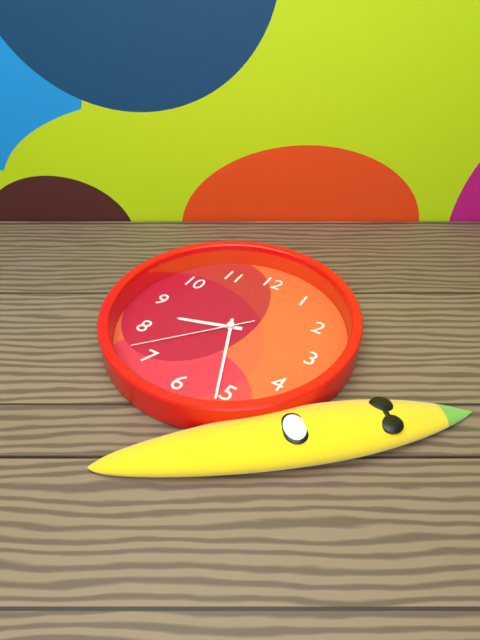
**8:26:37**
